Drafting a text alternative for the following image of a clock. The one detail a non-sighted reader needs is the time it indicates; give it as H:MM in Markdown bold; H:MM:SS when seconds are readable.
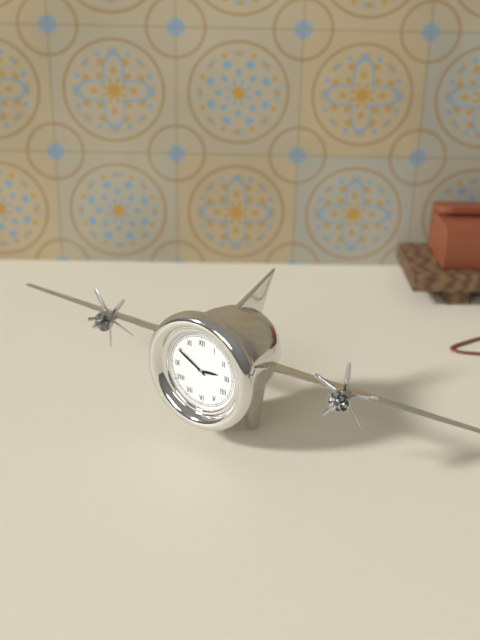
**2:50**
